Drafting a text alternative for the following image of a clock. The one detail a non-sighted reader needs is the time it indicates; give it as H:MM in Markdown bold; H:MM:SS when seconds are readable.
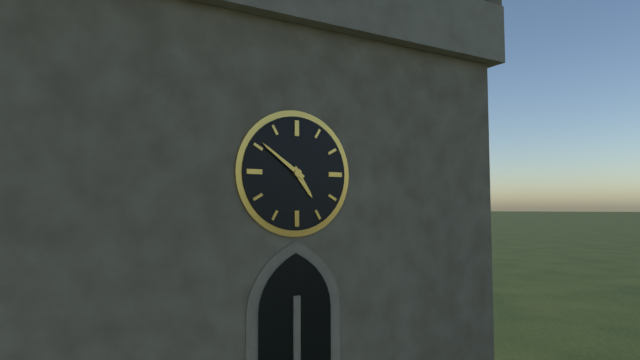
**4:51**
